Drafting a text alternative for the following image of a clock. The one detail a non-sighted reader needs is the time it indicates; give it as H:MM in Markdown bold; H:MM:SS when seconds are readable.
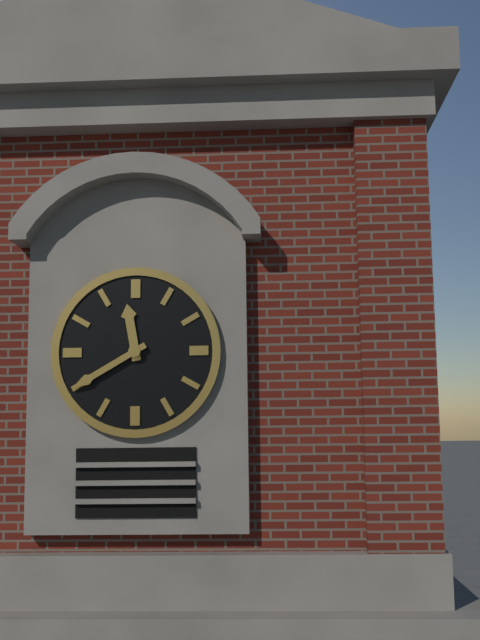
**11:40**
